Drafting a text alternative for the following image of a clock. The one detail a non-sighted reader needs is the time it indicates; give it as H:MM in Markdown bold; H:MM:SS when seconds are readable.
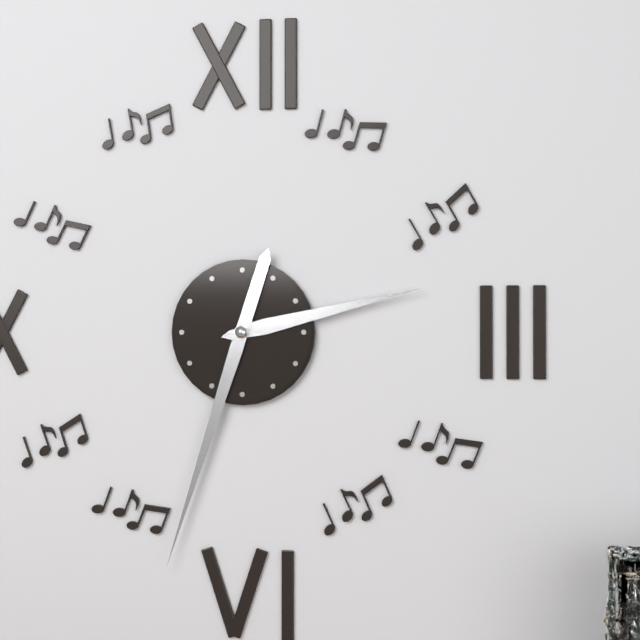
**2:33**
